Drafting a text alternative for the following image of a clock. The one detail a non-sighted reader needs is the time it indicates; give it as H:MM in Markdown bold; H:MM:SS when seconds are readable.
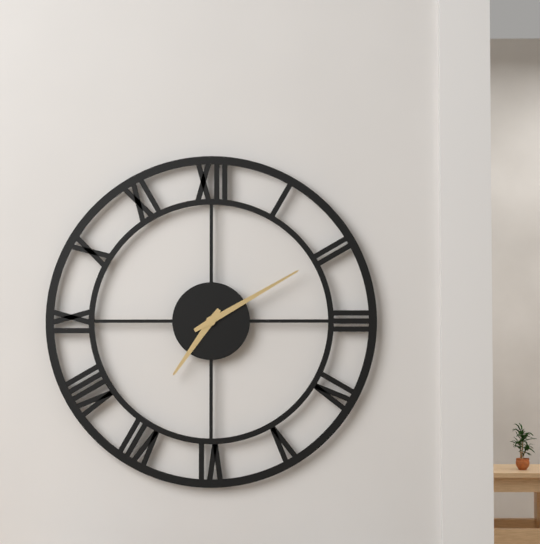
**7:10**
